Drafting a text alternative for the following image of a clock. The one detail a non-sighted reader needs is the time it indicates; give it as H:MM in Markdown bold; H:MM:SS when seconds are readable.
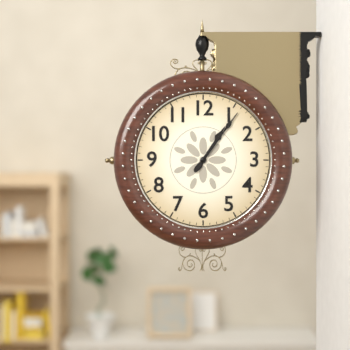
**1:06**
